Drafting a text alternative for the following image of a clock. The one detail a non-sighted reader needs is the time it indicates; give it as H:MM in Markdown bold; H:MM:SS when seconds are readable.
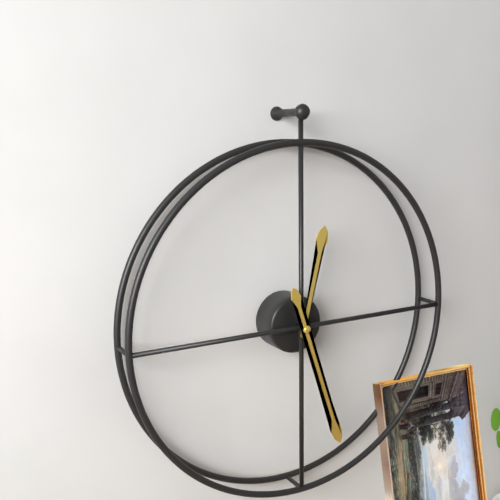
**12:27**
